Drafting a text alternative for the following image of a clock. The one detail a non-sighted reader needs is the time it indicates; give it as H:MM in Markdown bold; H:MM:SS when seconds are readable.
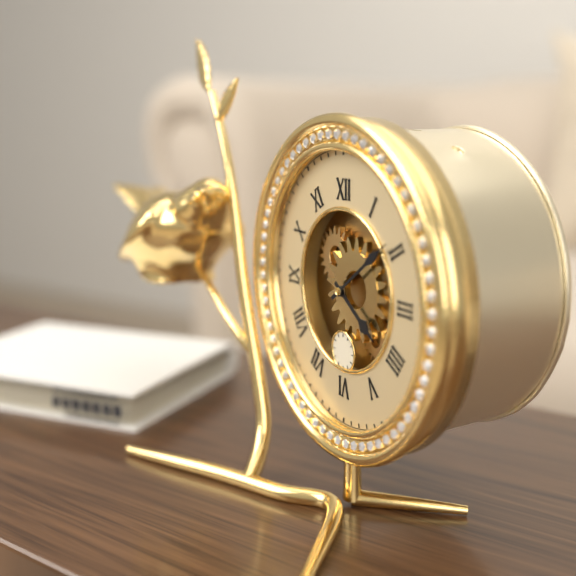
**4:09**
